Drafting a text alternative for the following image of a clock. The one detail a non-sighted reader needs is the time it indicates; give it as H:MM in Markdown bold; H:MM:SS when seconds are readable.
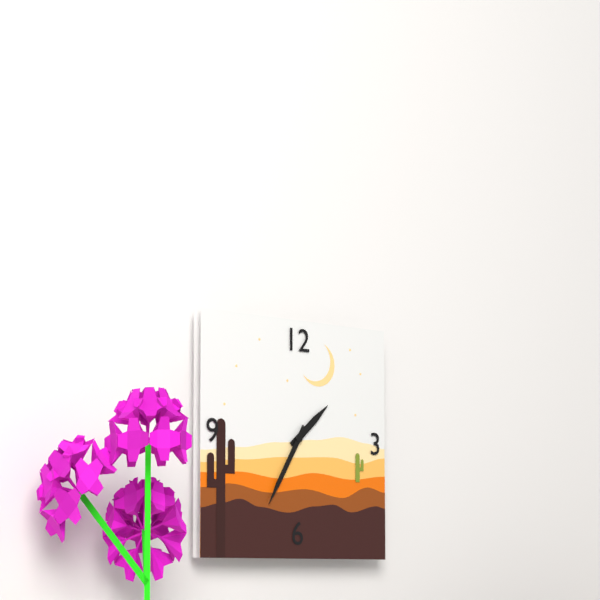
**1:35**
